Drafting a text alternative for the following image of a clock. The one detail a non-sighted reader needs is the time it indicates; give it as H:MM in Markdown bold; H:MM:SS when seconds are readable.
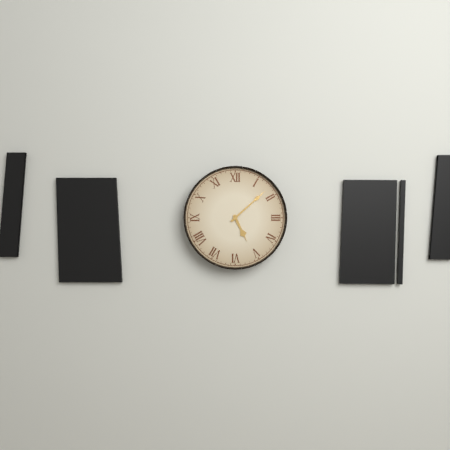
**5:08**
